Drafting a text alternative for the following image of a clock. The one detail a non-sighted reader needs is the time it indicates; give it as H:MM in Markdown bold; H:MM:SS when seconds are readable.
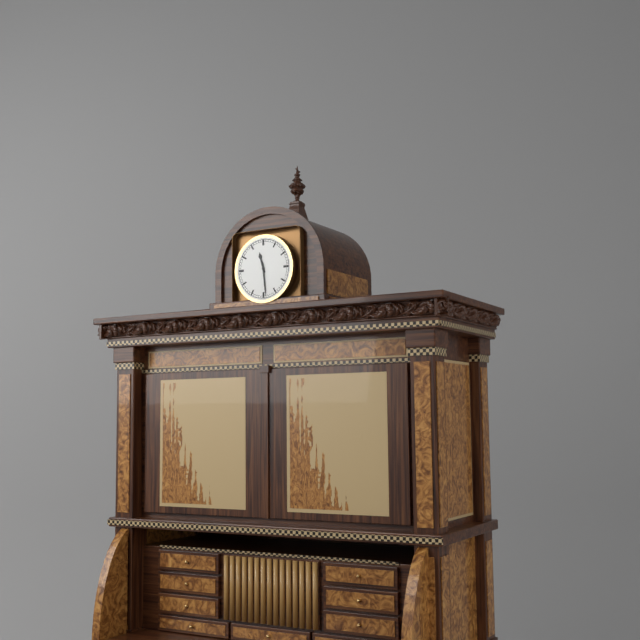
**11:29**
